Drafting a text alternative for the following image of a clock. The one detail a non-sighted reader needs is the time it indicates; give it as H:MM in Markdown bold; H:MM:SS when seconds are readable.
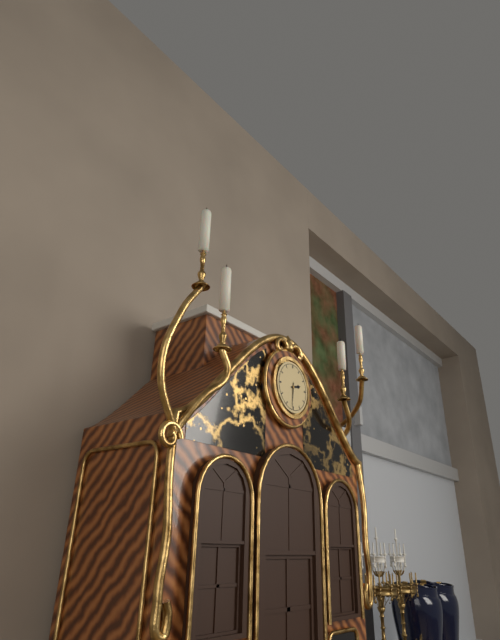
**2:31**
